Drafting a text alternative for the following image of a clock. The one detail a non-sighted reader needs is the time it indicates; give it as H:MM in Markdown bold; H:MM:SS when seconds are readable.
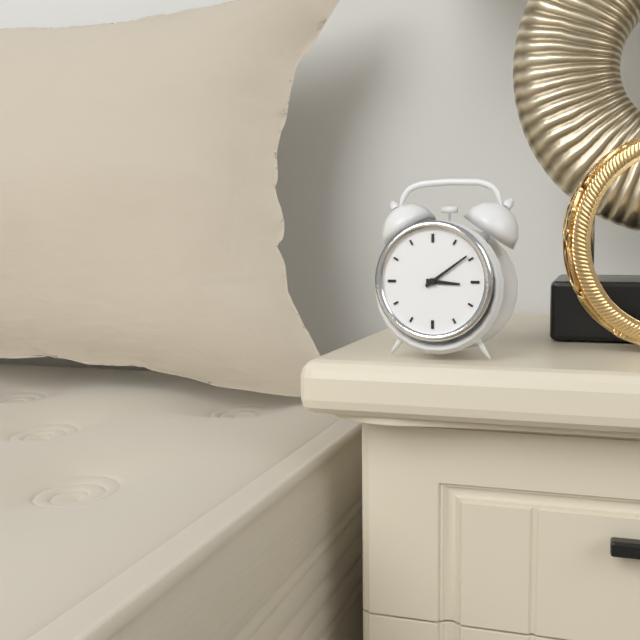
**3:09**
